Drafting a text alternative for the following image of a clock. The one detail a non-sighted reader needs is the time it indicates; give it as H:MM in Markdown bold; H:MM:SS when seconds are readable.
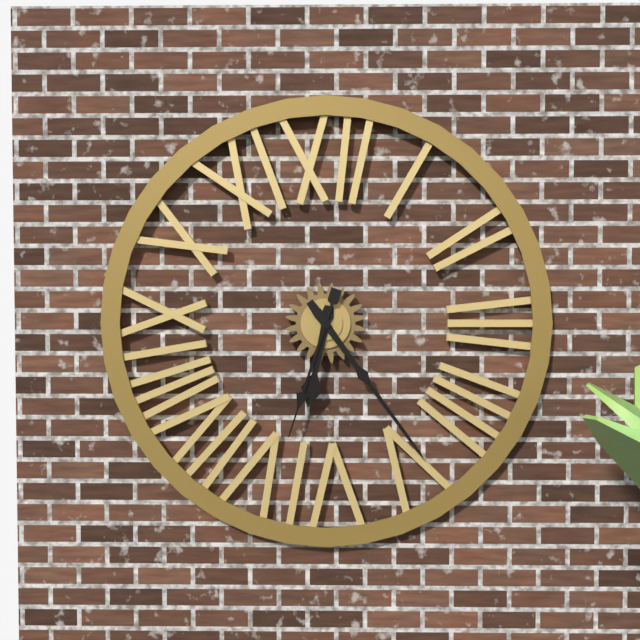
**6:24:33**
